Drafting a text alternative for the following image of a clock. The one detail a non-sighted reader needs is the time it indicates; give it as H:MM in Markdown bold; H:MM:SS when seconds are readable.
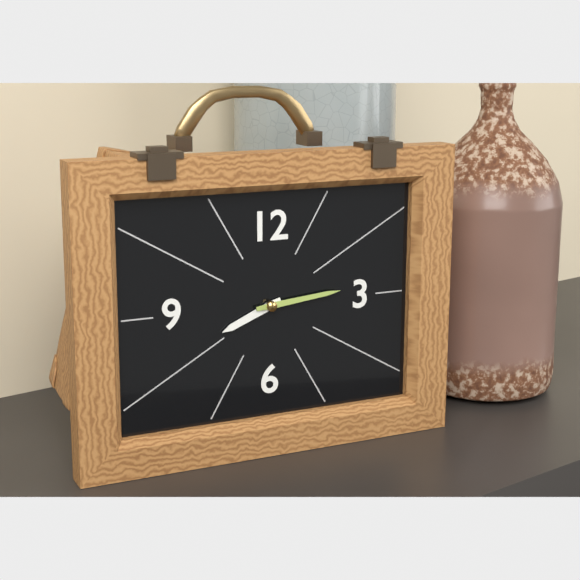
**8:14**
